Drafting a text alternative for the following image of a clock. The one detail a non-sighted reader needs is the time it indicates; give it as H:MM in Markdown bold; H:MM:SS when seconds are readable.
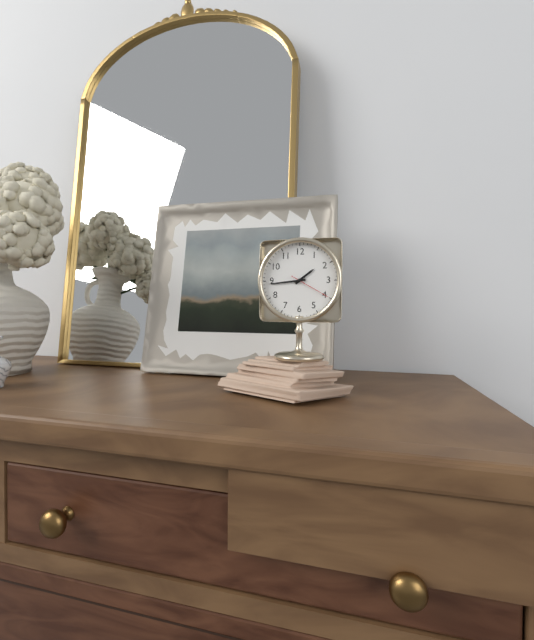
**1:44**
